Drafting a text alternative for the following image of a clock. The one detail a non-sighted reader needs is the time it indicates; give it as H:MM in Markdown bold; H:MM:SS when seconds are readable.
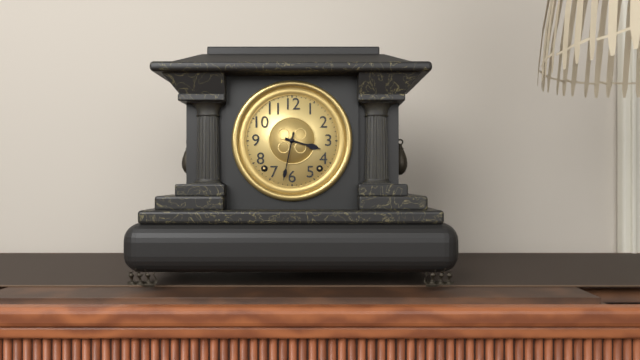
**3:32**
